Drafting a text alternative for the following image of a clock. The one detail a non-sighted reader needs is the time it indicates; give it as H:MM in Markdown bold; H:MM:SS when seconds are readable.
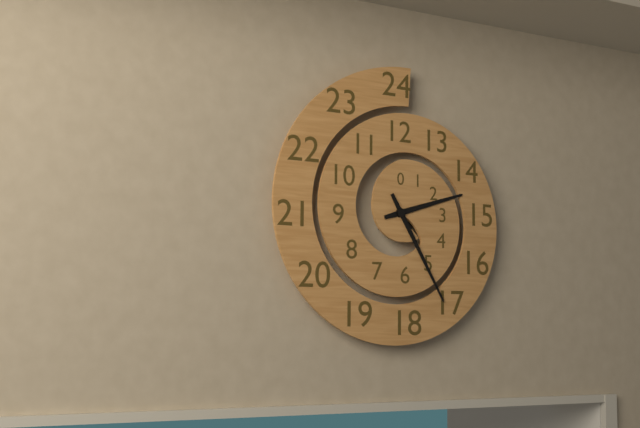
**2:25**
